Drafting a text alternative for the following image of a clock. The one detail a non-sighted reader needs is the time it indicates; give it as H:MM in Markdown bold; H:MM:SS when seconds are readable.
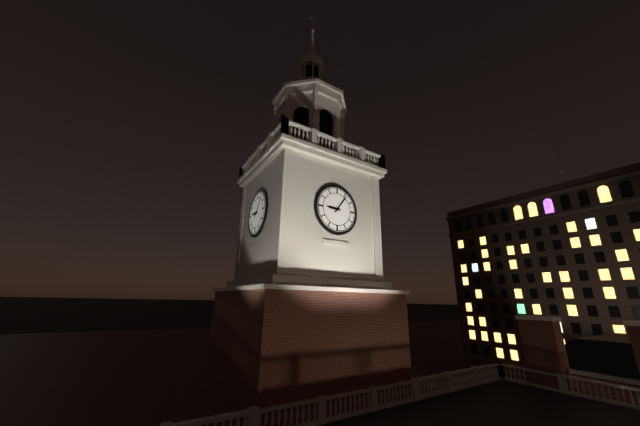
**9:06**
